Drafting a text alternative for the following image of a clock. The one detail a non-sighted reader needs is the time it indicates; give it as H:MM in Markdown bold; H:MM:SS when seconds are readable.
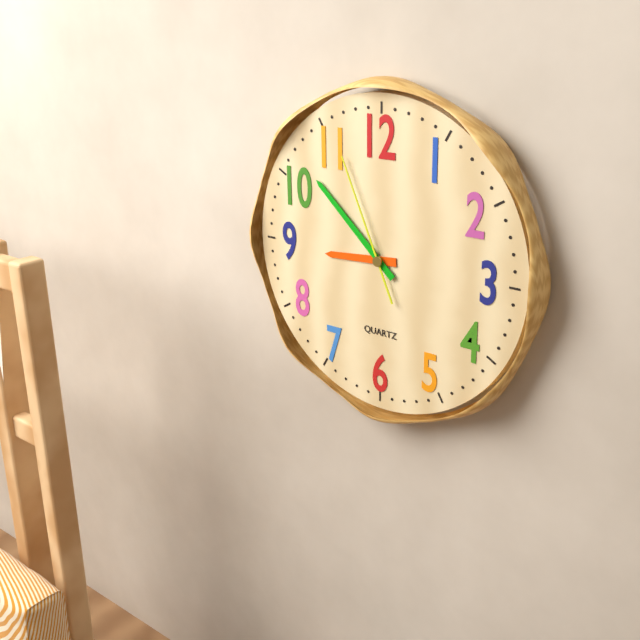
**8:52:56**
